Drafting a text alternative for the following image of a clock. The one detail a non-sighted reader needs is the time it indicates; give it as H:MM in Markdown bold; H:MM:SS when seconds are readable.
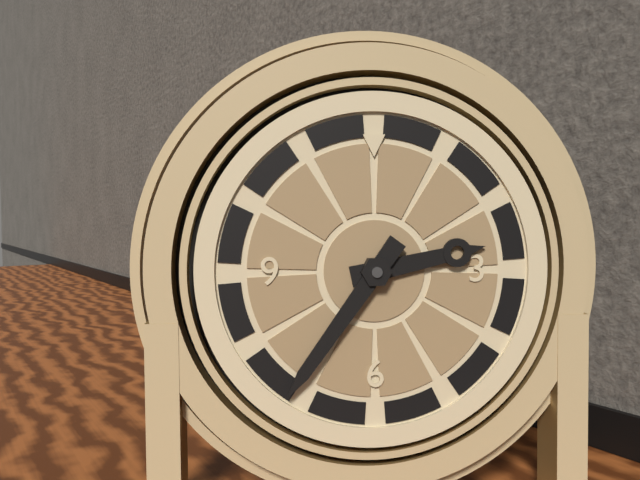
**2:36**
